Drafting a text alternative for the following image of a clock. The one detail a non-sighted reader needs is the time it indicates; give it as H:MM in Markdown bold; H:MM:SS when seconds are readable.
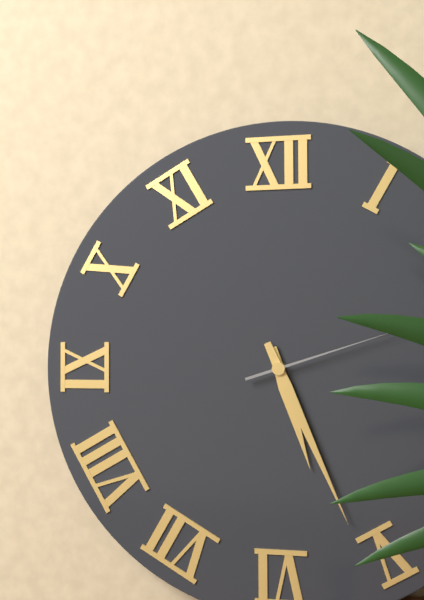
**5:26:12**
